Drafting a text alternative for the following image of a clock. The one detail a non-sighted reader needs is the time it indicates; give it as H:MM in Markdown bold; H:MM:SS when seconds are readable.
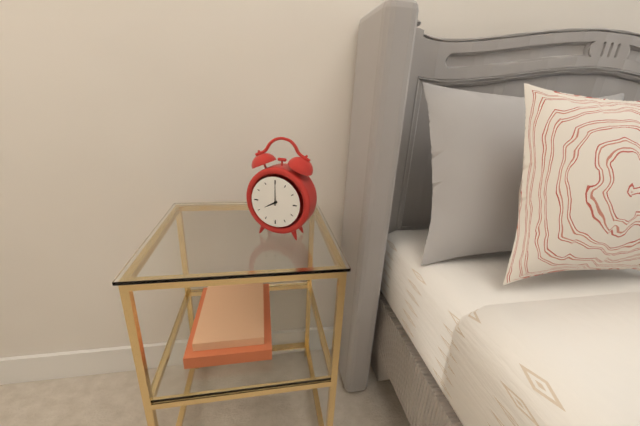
**8:00**
